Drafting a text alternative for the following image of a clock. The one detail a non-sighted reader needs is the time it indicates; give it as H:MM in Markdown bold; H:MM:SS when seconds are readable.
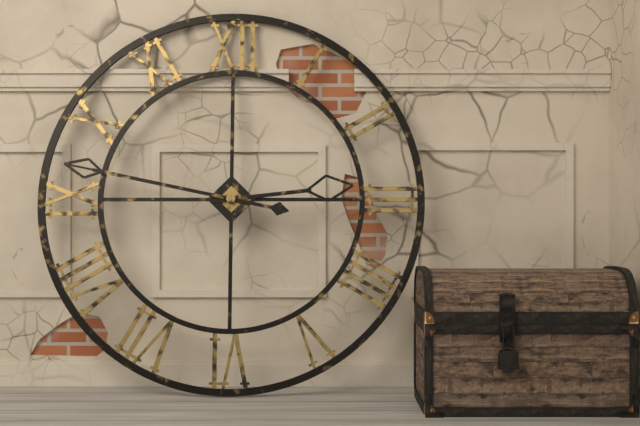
**2:47**
